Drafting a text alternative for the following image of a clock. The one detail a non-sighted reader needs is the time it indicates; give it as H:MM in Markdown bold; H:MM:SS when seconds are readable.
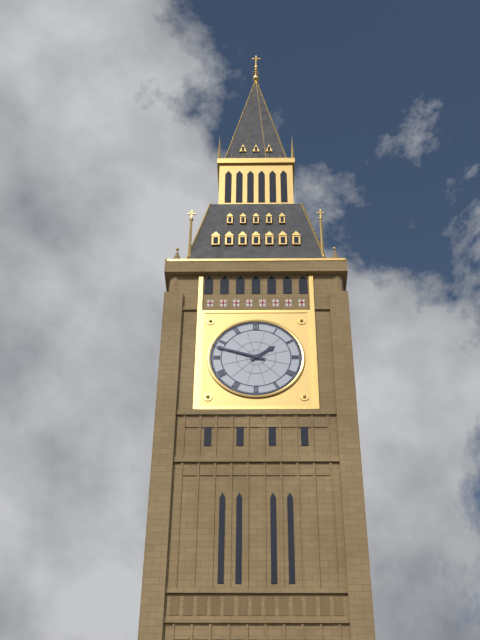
**1:48**
